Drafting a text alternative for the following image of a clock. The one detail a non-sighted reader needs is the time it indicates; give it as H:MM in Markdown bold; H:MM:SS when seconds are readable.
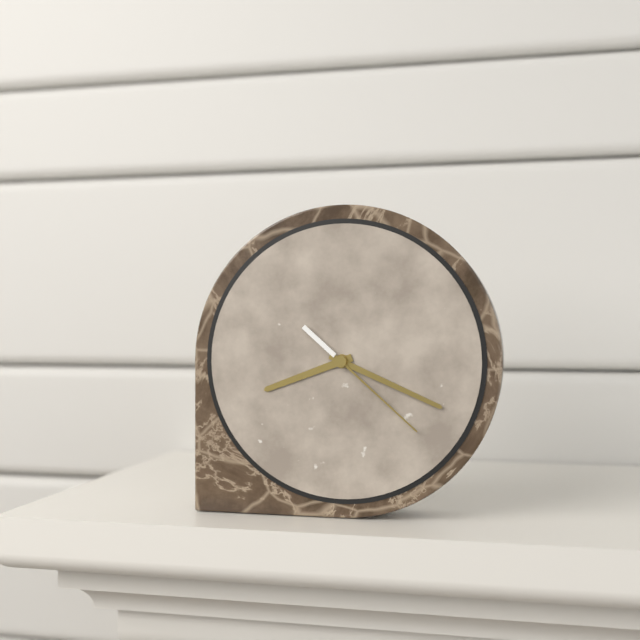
**8:19:22**
